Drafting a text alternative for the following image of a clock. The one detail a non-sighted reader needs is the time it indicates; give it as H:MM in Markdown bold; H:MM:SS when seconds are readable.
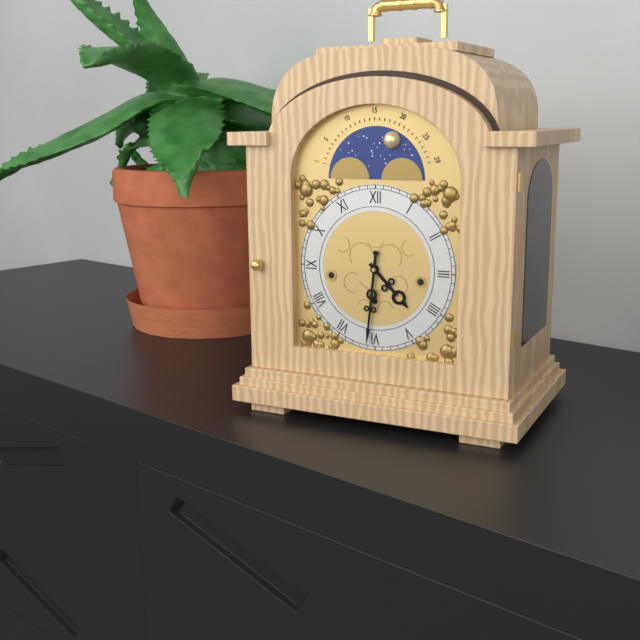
**4:31**
